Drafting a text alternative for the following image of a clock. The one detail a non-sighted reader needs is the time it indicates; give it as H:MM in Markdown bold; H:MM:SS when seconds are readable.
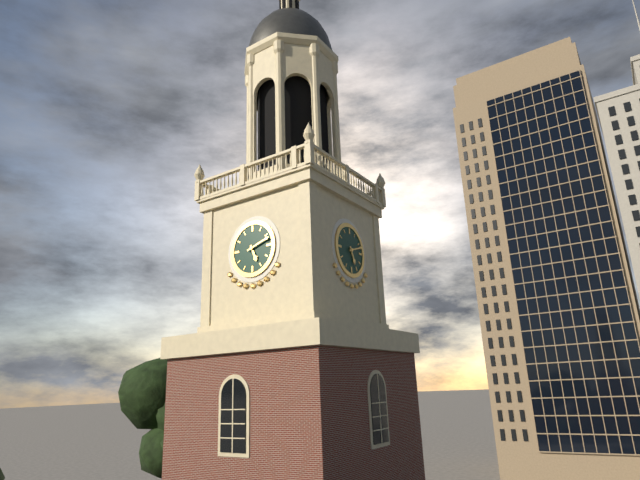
**5:12**
